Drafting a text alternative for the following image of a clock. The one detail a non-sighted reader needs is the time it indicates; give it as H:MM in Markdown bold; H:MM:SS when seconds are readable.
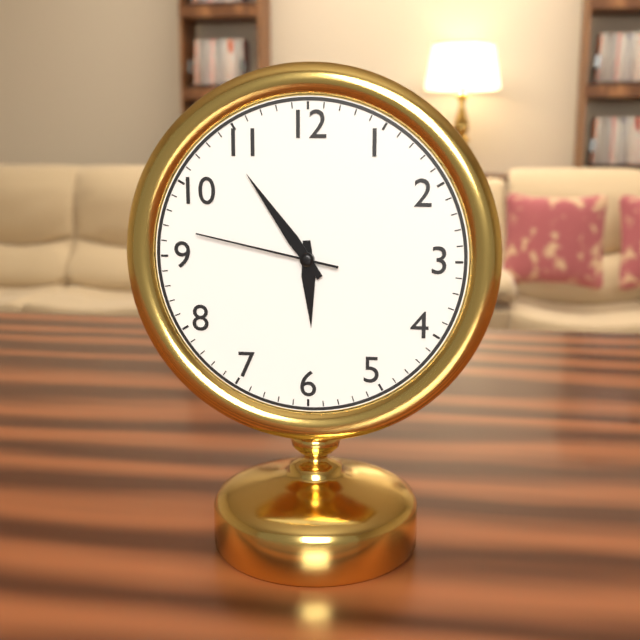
**5:54:47**
